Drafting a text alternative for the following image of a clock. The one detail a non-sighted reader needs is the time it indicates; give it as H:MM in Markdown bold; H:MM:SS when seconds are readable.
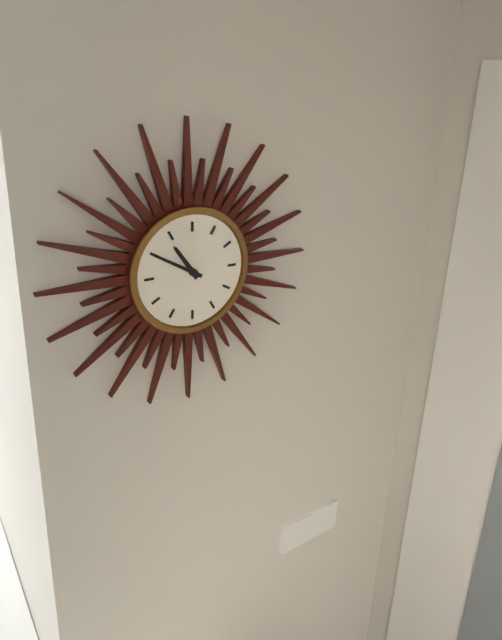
**10:50**
